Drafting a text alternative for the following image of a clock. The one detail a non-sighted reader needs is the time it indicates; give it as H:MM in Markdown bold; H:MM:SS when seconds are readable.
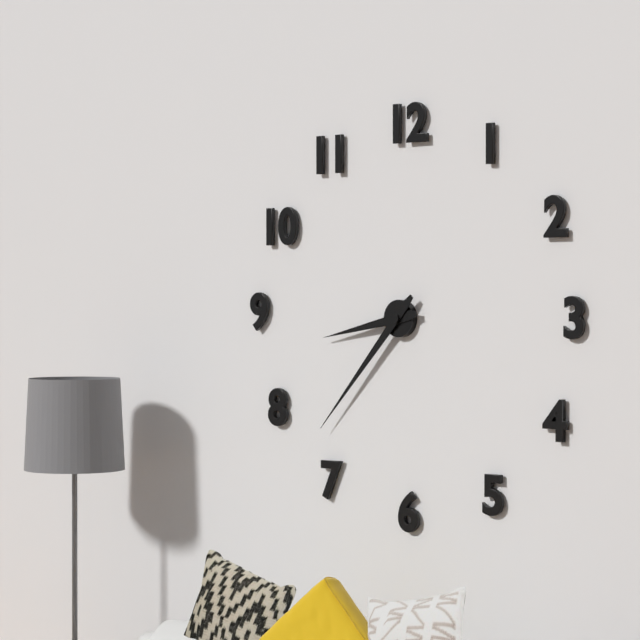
**8:37**
